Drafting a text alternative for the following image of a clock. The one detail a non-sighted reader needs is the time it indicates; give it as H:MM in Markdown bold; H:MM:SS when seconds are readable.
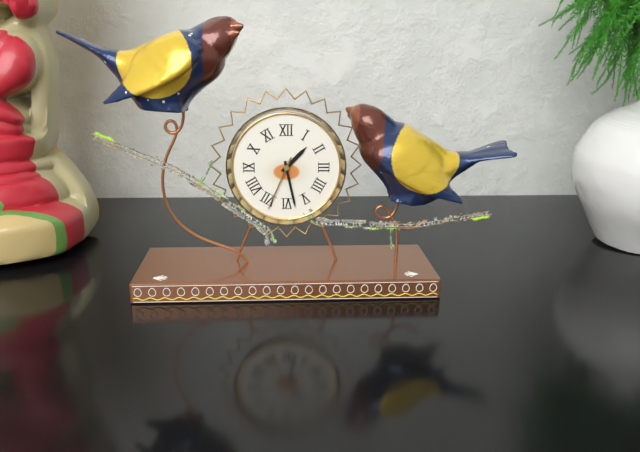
**1:28:34**
